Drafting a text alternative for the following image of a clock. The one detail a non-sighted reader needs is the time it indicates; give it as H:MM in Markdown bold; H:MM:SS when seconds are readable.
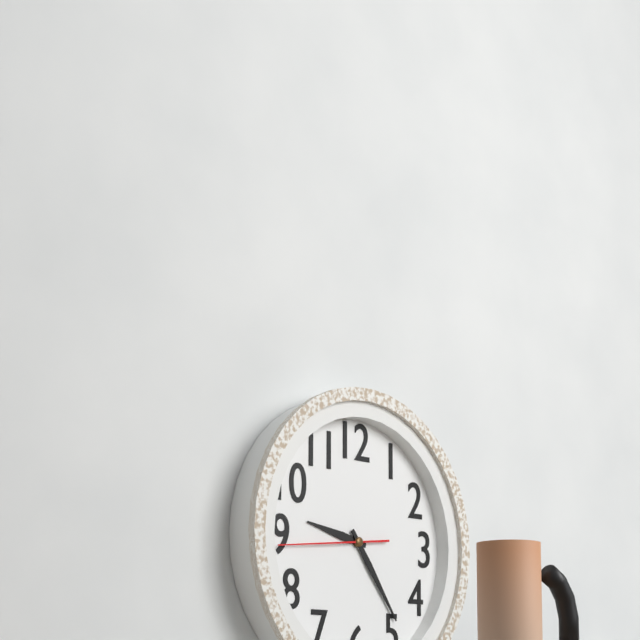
**9:24:44**
